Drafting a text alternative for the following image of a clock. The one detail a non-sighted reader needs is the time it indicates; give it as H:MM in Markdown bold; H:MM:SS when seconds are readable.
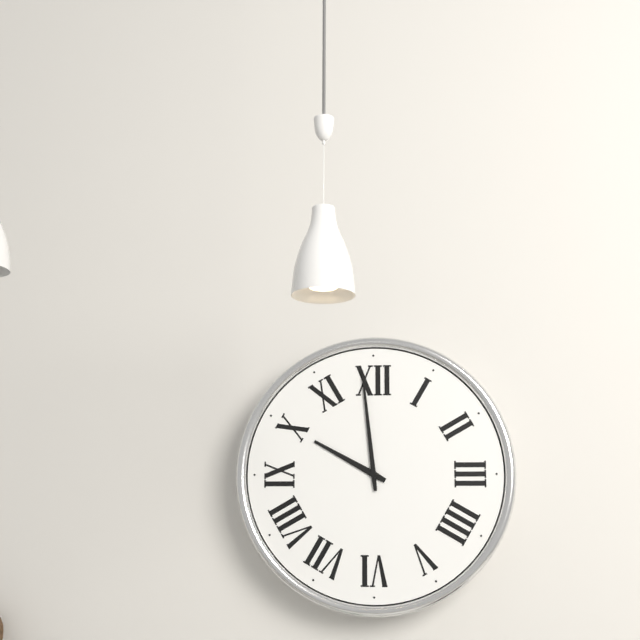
**9:59**
